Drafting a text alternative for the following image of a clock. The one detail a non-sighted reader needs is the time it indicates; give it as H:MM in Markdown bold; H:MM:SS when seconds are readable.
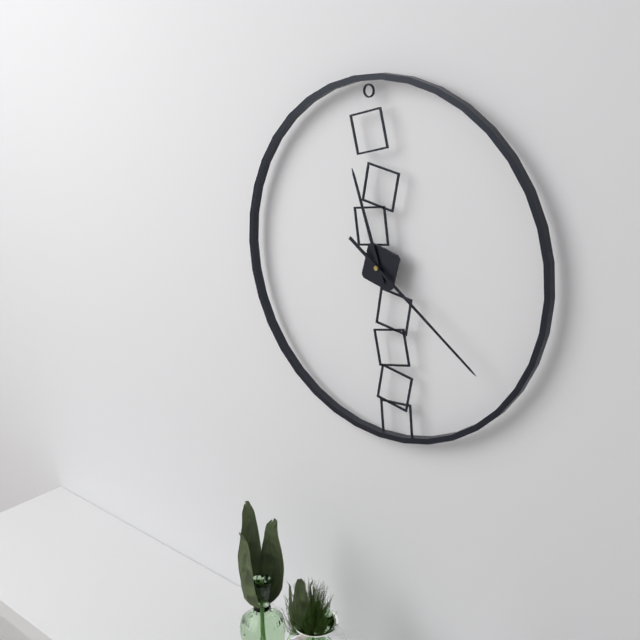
**11:21**
